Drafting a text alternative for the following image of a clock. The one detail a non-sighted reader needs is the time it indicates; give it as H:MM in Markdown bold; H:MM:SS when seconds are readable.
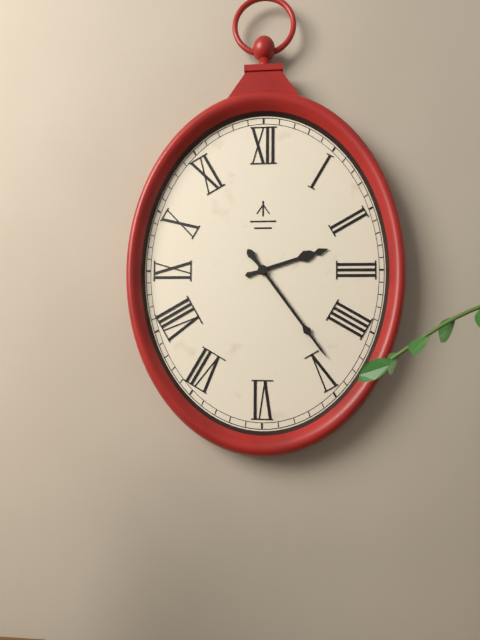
**2:24**
